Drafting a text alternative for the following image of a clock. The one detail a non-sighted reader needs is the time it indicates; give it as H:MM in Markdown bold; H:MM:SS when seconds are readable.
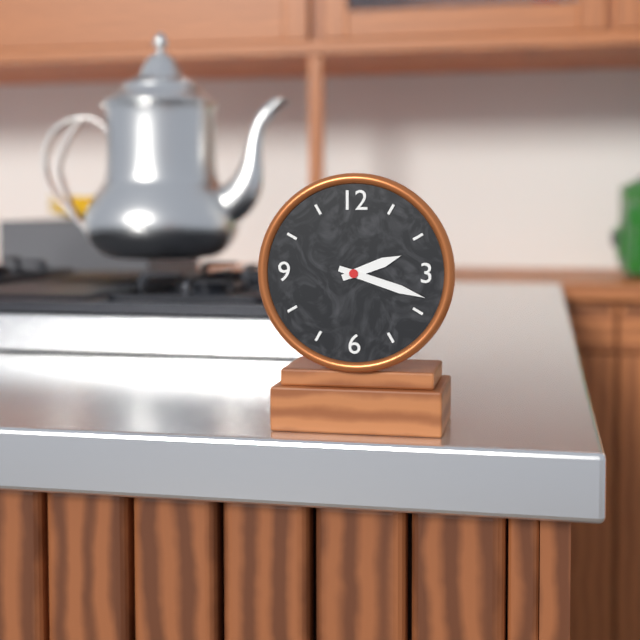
**2:18**
